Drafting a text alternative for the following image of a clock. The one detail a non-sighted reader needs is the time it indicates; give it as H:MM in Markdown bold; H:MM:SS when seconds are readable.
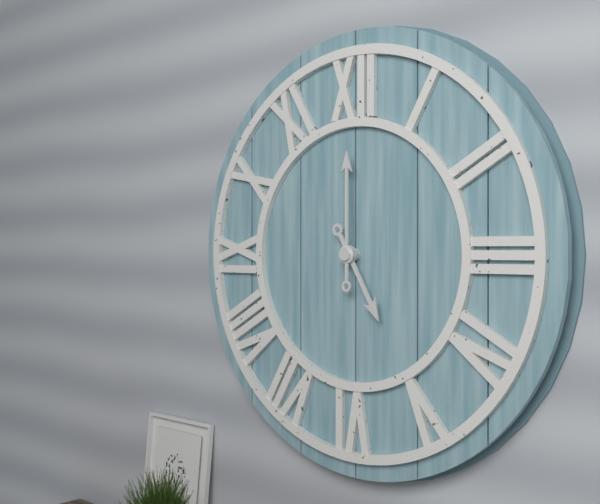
**5:00**
